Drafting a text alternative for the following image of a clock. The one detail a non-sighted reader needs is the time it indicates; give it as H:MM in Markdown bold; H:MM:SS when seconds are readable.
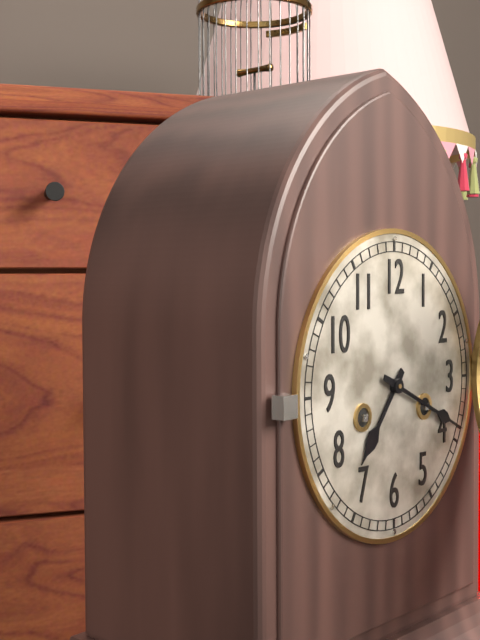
**7:19**
